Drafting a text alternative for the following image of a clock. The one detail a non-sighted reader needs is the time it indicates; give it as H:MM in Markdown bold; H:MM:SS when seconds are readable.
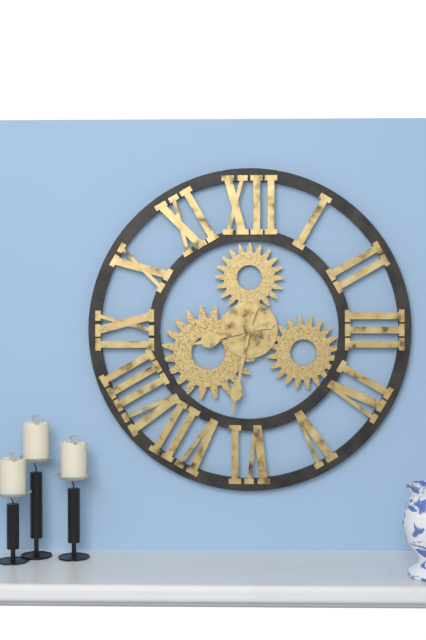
**8:32**
